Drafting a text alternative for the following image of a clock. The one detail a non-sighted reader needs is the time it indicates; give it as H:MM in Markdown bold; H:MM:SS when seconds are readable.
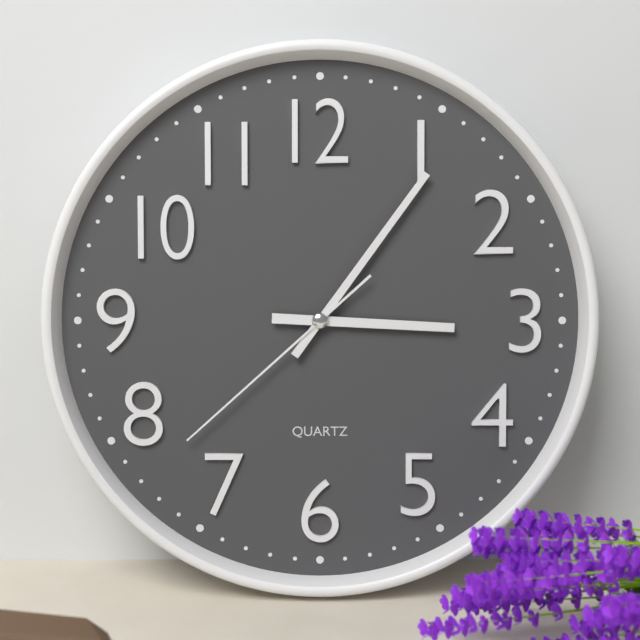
**3:06:38**
